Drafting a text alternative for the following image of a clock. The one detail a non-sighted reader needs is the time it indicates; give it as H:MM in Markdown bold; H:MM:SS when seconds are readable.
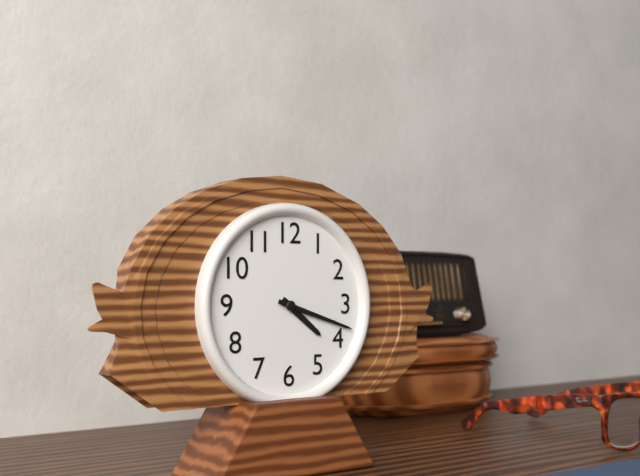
**4:18**
